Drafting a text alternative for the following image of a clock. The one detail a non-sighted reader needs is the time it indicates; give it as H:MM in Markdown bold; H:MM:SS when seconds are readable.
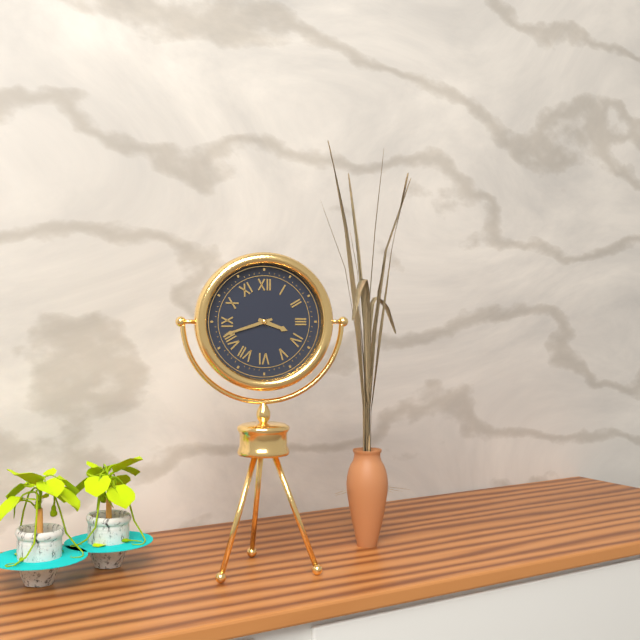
**3:42**
